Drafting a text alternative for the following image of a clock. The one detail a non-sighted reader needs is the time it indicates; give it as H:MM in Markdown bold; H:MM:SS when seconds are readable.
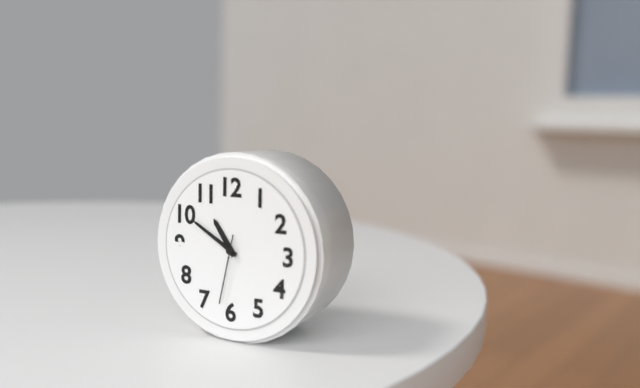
**10:50:32**
